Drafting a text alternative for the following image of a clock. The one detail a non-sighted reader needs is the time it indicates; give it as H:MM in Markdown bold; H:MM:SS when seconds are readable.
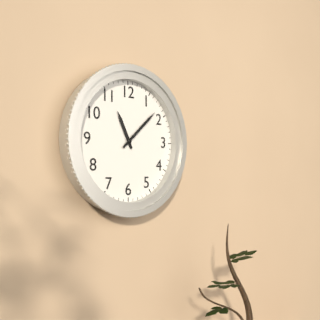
**11:08**
